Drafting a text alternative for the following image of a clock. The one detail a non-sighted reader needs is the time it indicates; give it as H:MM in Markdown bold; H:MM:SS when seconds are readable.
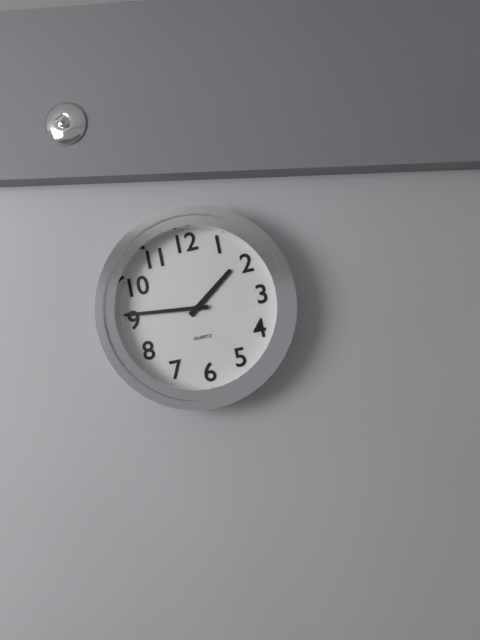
**1:46**
